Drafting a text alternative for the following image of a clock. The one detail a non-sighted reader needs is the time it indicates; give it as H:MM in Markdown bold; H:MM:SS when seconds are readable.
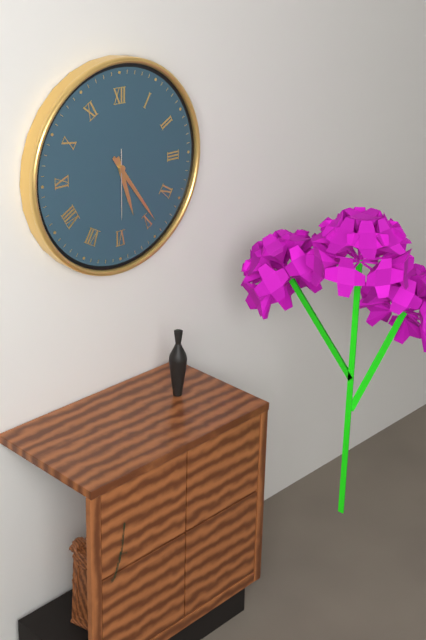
**5:24:30**
